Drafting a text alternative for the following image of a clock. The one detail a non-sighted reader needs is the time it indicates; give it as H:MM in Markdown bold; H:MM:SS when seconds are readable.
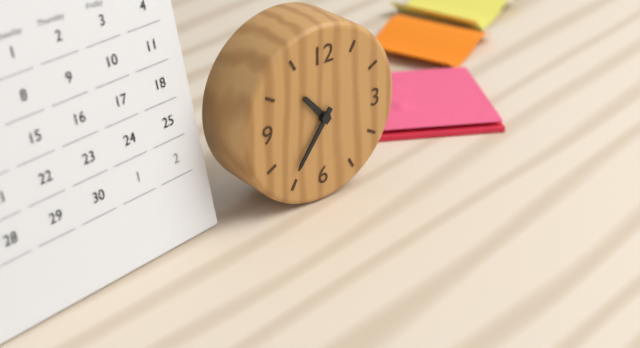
**10:36**
